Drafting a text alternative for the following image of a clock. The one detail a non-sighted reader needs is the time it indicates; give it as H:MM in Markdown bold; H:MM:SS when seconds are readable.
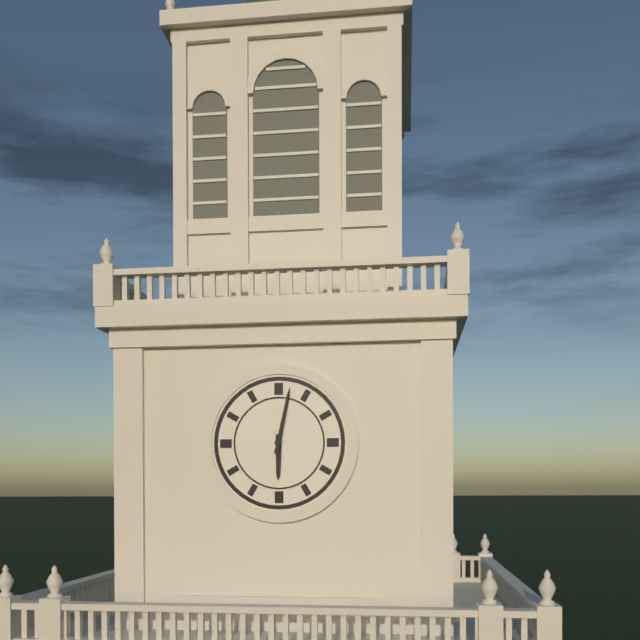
**6:02**
